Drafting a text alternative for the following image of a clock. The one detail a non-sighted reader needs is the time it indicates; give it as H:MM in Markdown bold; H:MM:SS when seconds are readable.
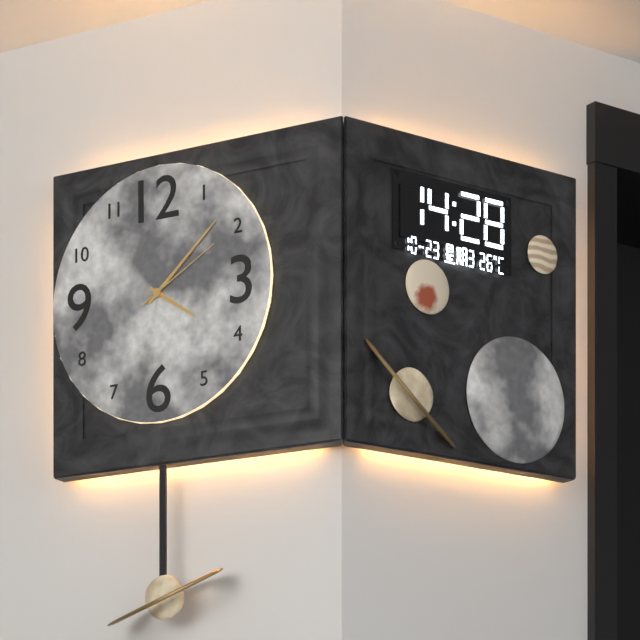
**4:08:10**
